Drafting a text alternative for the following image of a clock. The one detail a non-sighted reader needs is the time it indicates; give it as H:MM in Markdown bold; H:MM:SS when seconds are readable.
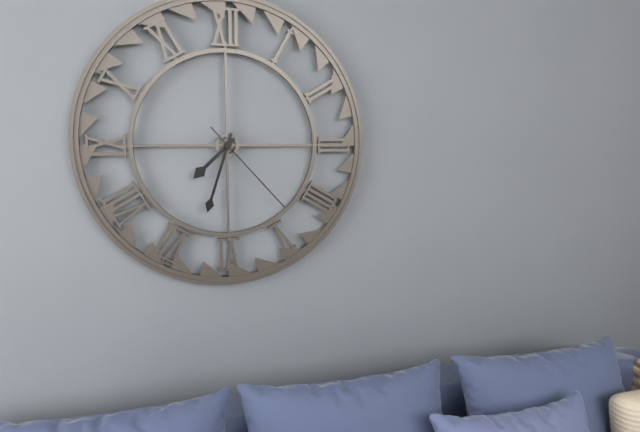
**7:33:23**
